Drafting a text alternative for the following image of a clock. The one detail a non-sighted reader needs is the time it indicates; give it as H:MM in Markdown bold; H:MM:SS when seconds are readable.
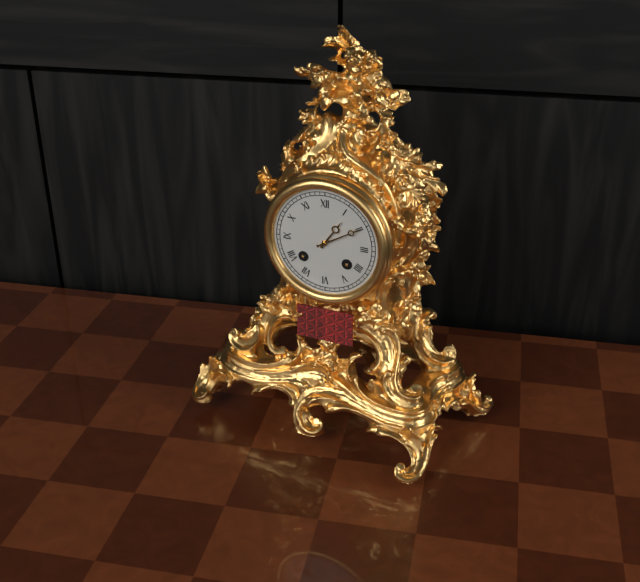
**1:10**
